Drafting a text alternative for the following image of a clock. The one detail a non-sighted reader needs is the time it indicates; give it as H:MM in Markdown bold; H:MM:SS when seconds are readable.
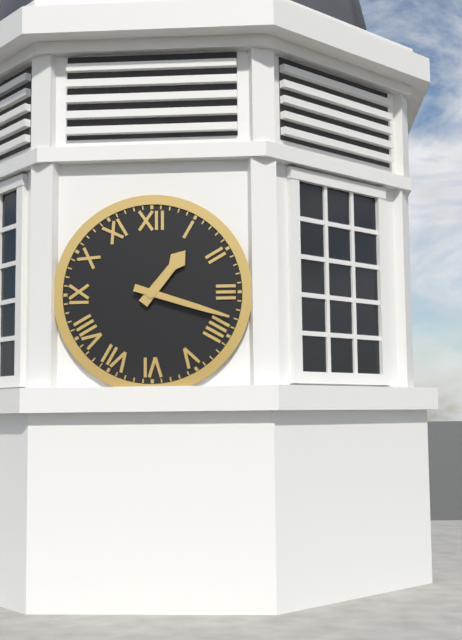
**1:18**
